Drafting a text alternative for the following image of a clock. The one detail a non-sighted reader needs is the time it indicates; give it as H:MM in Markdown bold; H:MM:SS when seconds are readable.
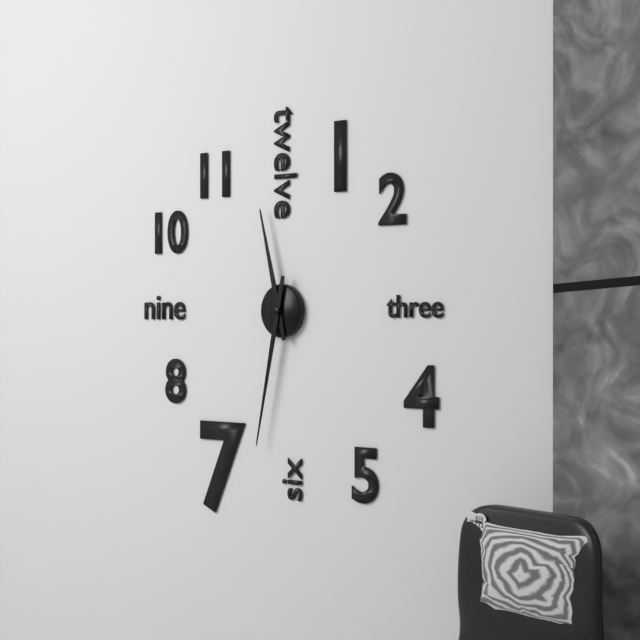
**11:32**
